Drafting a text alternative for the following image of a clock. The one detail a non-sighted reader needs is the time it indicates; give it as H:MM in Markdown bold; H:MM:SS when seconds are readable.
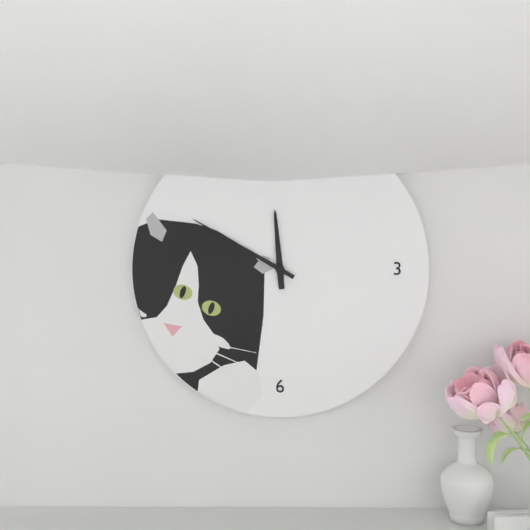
**11:50**
